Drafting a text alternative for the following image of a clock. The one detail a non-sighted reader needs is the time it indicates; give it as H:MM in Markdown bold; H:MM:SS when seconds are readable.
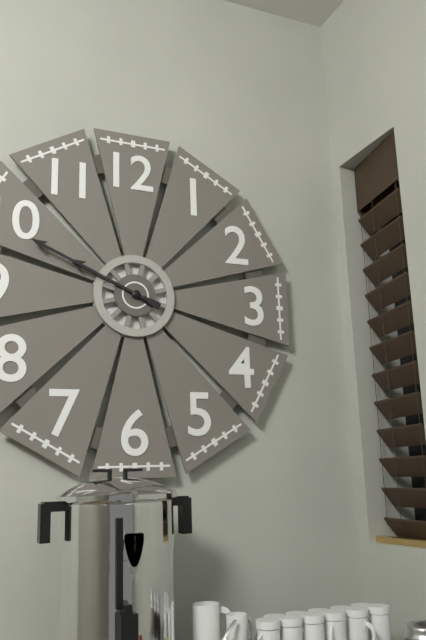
**9:49**
